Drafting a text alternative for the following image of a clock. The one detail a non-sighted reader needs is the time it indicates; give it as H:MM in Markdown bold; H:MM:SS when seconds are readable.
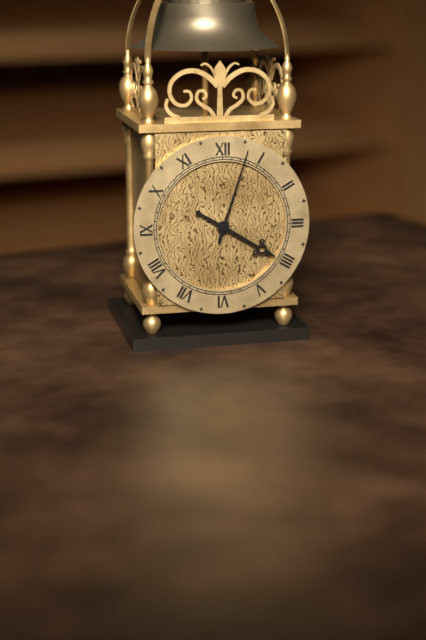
**4:03**
